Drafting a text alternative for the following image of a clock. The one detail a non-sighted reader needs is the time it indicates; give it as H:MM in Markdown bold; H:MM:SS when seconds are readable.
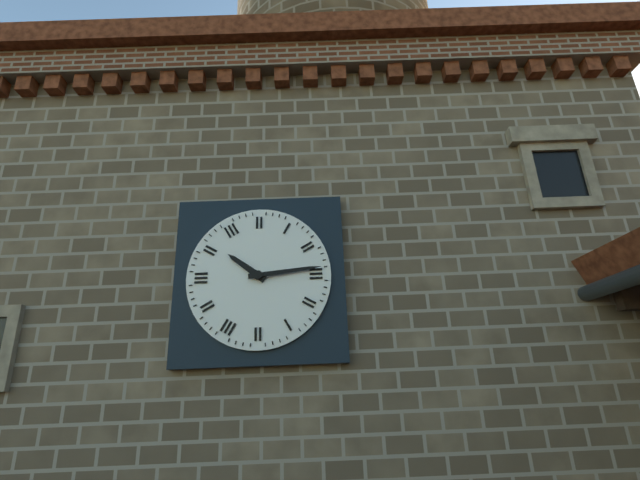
**10:14**
